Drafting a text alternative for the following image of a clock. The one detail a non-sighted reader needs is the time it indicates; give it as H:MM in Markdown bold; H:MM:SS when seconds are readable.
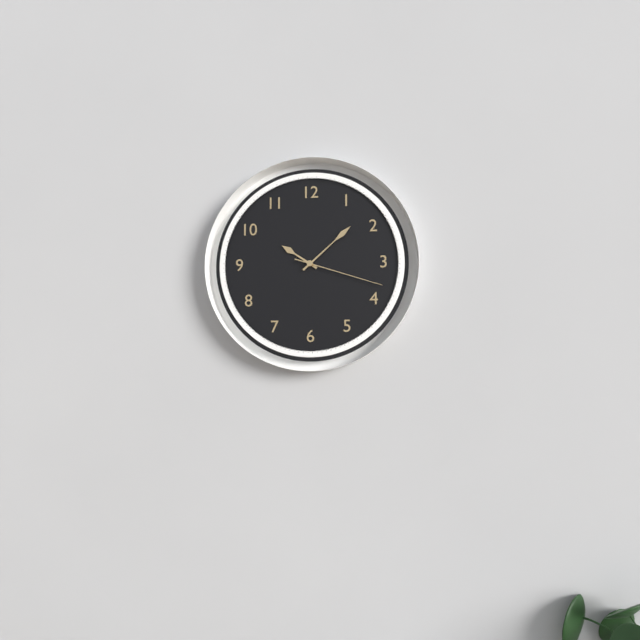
**10:08:18**
